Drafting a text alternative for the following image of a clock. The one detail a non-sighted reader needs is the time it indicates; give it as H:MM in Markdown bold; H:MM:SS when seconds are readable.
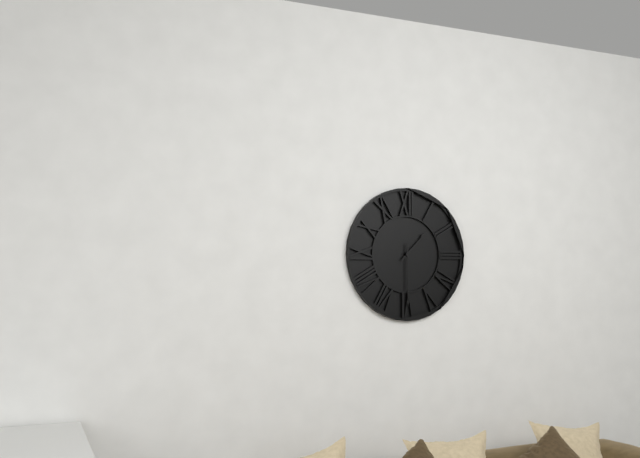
**1:30**
